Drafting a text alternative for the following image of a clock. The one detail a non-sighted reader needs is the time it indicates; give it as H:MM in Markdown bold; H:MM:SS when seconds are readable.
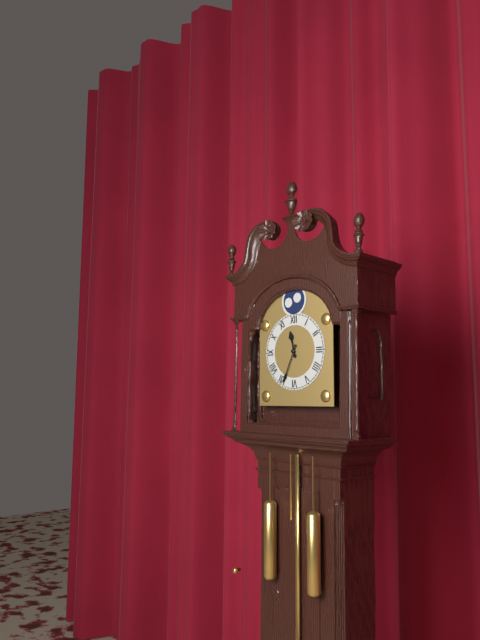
**11:34**
